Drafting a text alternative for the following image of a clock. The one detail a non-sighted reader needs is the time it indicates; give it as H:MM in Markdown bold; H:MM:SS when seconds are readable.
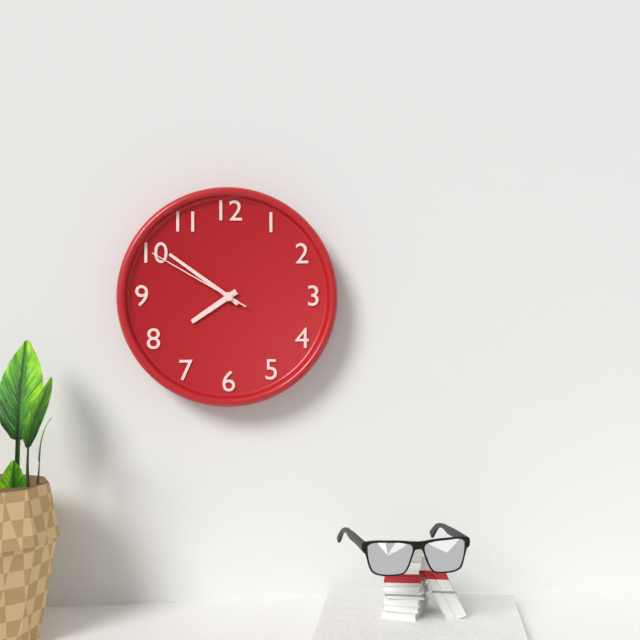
**7:51:50**
